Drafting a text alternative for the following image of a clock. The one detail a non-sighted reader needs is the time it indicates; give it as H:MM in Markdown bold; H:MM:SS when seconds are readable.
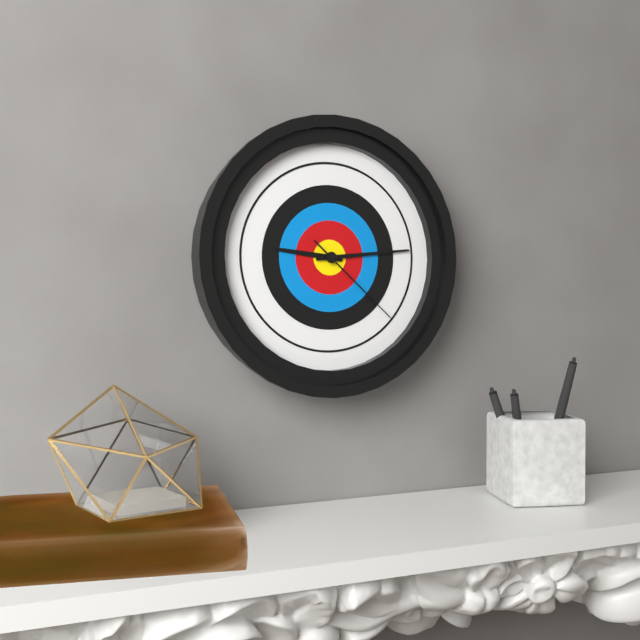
**9:14:22**
